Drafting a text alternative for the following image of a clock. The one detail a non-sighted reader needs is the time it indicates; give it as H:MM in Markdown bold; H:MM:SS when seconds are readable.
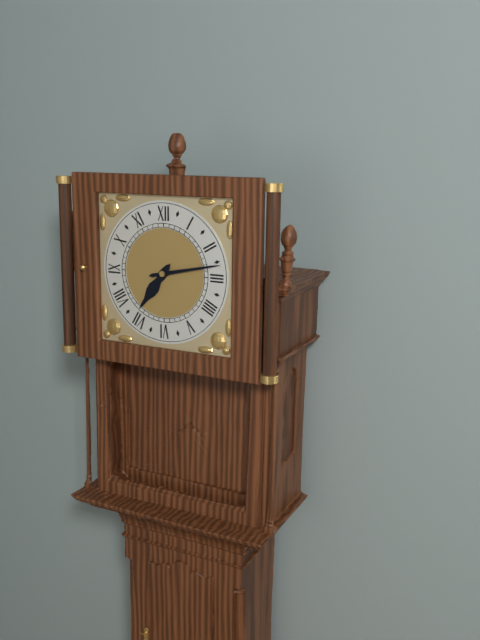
**7:13**
